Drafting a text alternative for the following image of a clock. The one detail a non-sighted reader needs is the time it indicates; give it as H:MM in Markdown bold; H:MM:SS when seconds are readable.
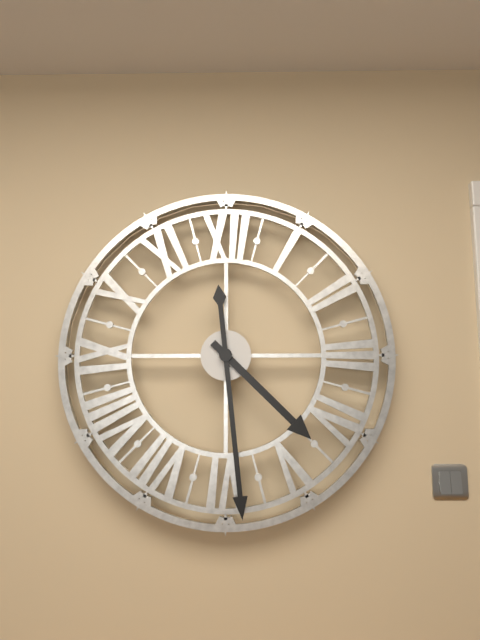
**4:29**
